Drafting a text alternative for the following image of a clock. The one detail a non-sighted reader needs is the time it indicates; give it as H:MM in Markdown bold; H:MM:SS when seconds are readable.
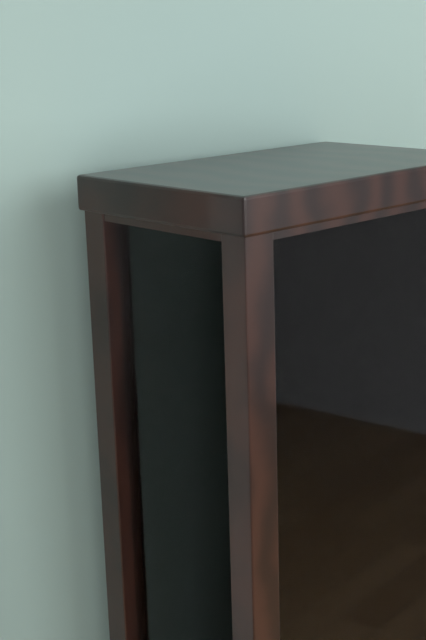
**4:01**
